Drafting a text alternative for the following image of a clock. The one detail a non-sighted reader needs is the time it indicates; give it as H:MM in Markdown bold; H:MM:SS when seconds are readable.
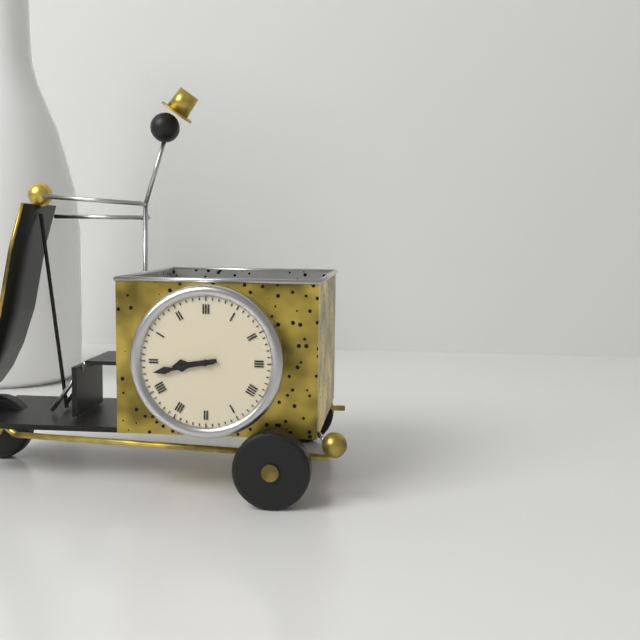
**8:43**
